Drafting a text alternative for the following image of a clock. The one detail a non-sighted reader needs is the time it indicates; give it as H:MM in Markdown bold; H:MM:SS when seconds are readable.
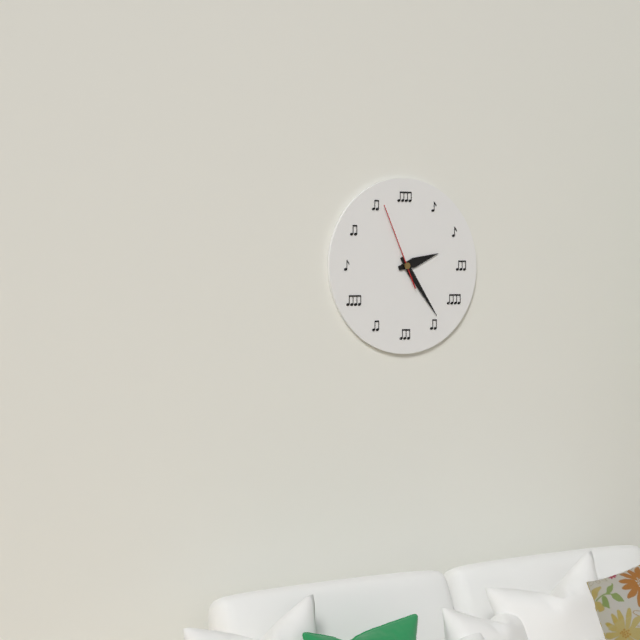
**2:24:56**
